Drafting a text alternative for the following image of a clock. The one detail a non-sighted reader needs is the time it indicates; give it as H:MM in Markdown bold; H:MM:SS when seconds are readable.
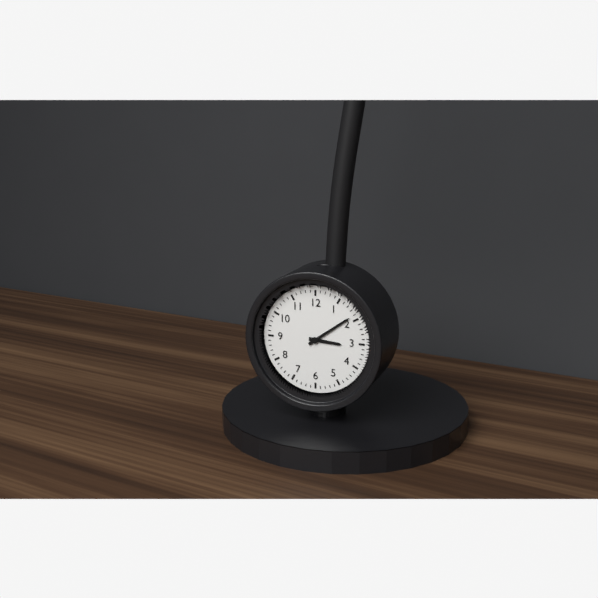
**3:09**
